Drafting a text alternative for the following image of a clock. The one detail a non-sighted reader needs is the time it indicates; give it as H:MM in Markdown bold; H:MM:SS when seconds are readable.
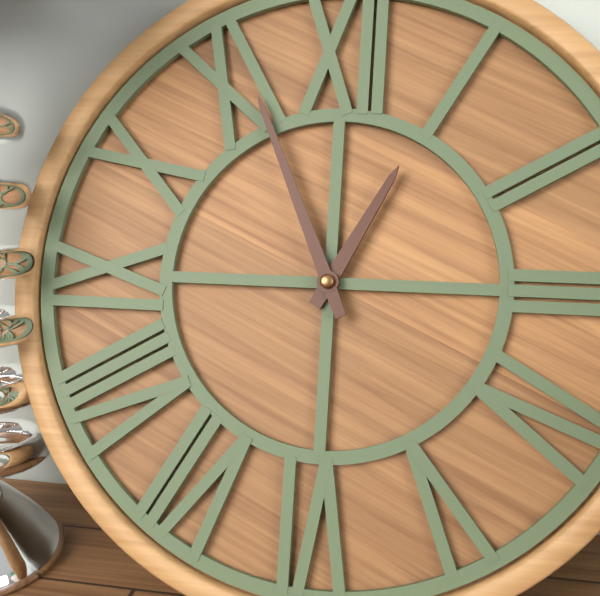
**12:56**
